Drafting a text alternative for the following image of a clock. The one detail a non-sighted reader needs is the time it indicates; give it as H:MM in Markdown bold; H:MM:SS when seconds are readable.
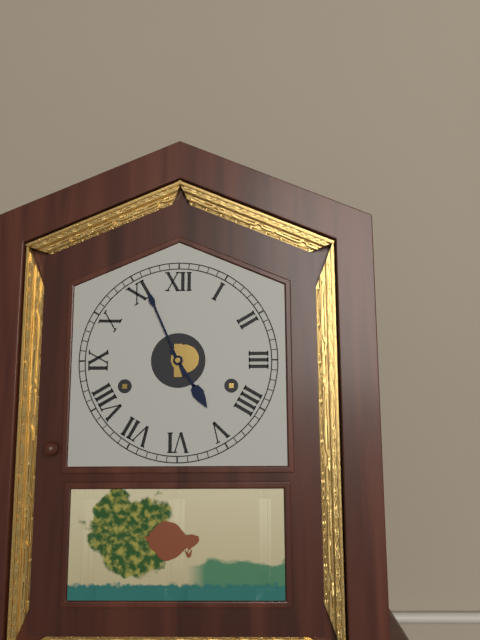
**4:56**
